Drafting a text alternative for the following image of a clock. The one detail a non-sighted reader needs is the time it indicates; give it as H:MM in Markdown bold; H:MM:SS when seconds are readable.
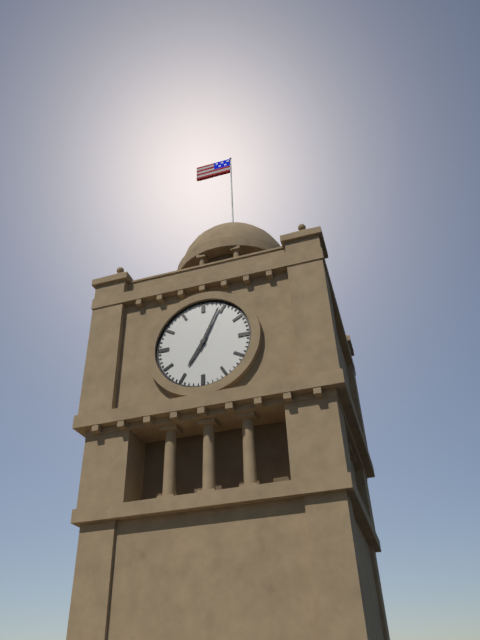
**7:04**
